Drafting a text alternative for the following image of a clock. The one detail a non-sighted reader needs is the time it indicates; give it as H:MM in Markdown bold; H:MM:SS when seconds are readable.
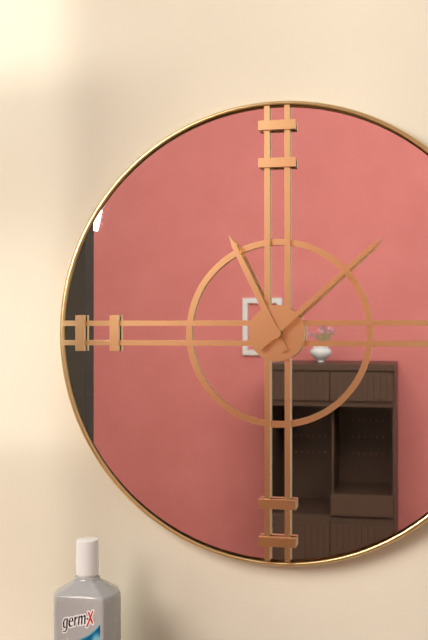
**11:08**
